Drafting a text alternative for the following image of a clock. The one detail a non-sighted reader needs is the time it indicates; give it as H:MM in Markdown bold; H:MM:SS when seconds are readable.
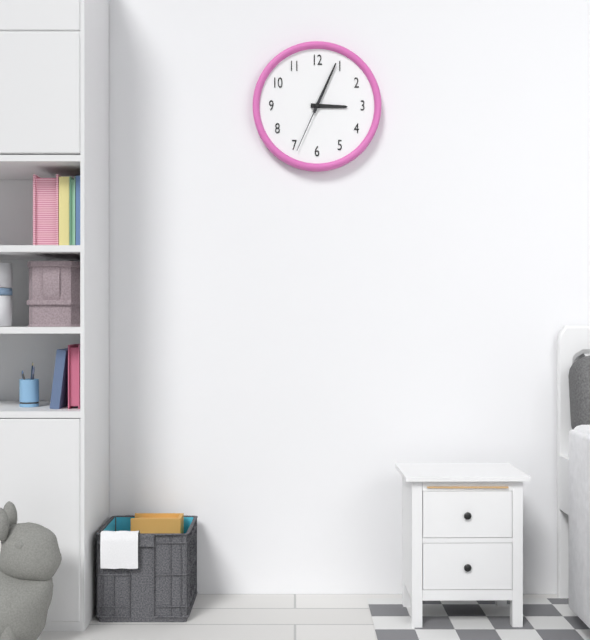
**3:04:34**
